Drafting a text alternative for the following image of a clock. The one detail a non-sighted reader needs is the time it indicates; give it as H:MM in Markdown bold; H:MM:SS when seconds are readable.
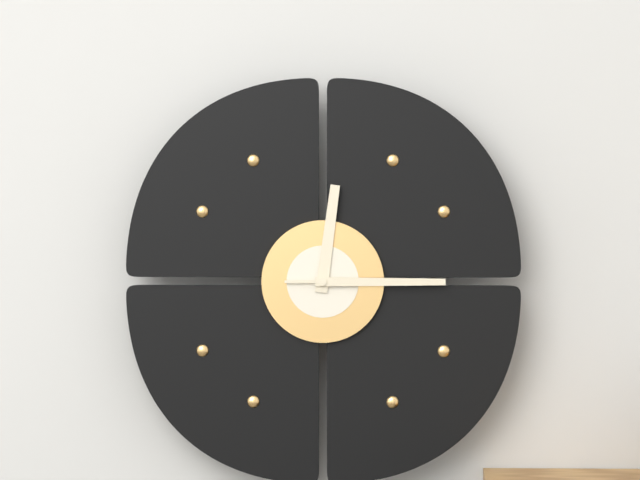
**12:15**
